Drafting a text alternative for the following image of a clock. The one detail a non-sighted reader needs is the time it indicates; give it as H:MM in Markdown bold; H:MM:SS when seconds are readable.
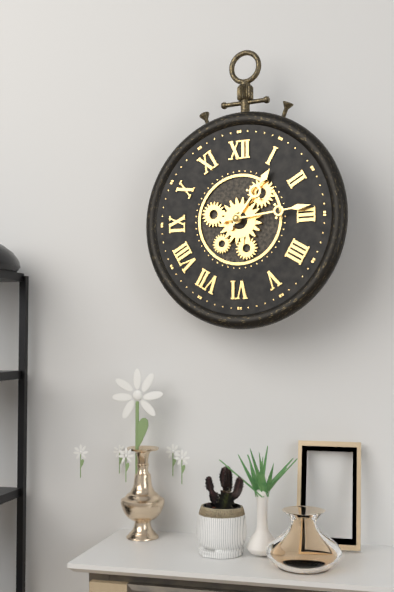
**1:14**
